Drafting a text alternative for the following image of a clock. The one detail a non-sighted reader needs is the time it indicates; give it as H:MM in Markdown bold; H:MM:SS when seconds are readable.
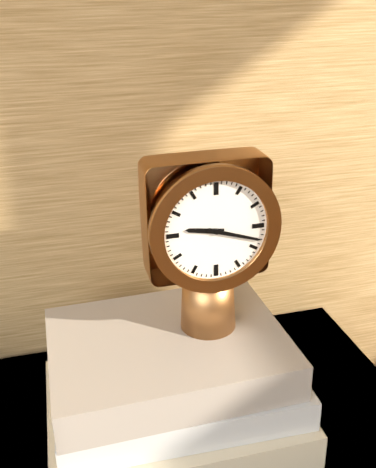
**9:18**
